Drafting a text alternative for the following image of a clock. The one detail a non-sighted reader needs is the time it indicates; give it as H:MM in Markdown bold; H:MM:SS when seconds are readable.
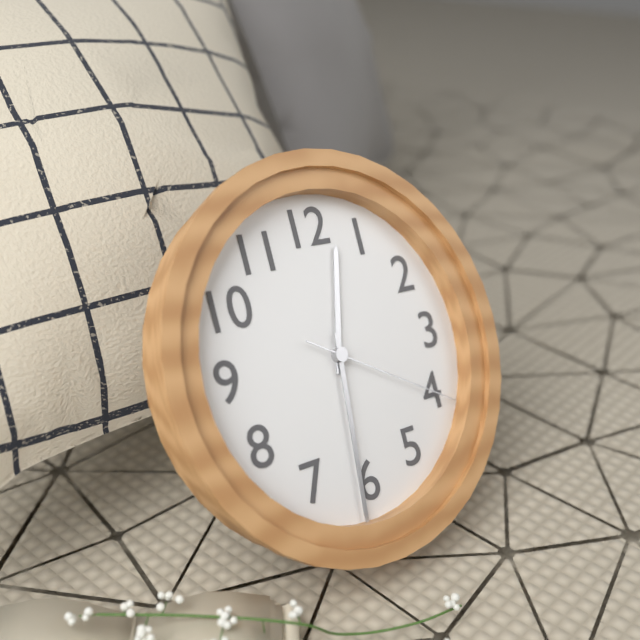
**12:31:20**
